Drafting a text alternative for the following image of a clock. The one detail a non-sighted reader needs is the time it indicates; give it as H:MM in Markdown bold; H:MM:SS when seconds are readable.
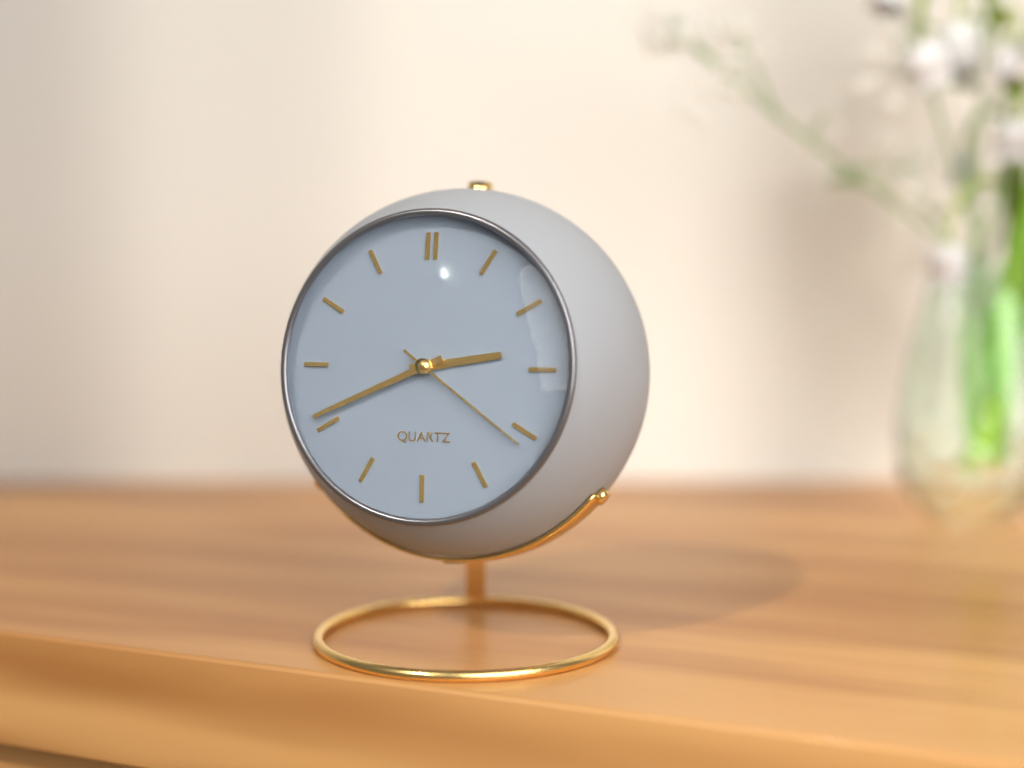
**2:41:21**
